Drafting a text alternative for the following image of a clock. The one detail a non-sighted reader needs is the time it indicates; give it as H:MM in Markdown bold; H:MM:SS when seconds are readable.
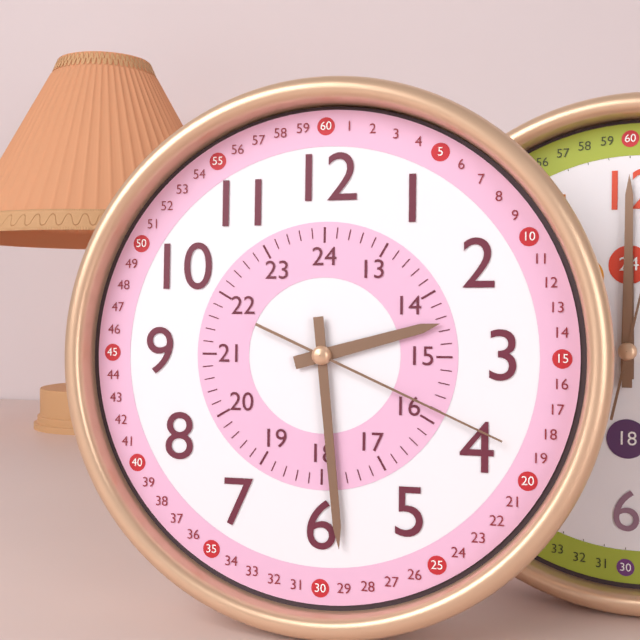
**2:29:19**
